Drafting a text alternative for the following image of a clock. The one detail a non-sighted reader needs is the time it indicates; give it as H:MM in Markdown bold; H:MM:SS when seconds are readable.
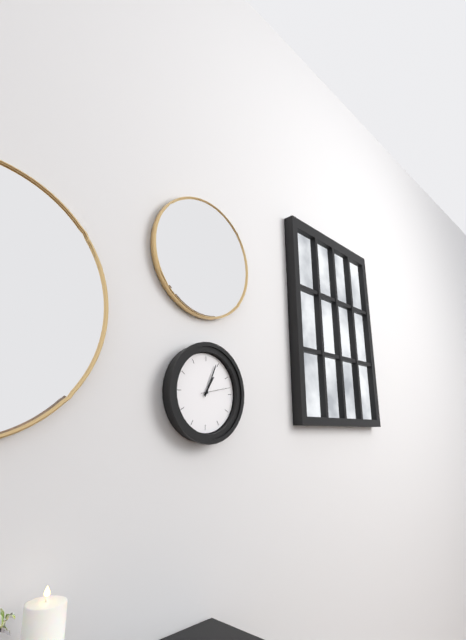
**1:04**
